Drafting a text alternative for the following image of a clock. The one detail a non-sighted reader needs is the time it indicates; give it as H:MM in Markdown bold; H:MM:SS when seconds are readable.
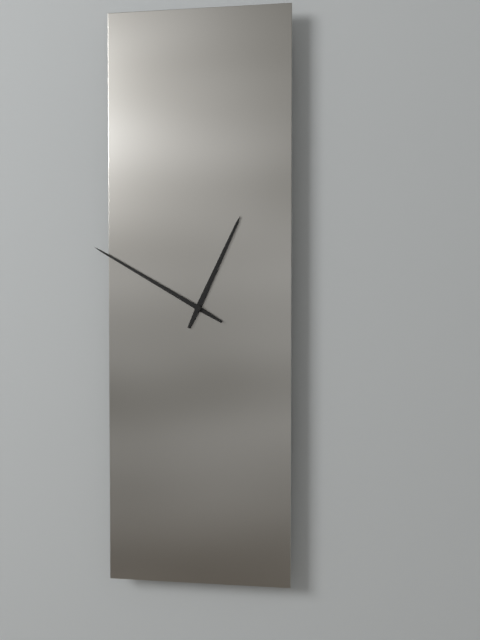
**12:50**
